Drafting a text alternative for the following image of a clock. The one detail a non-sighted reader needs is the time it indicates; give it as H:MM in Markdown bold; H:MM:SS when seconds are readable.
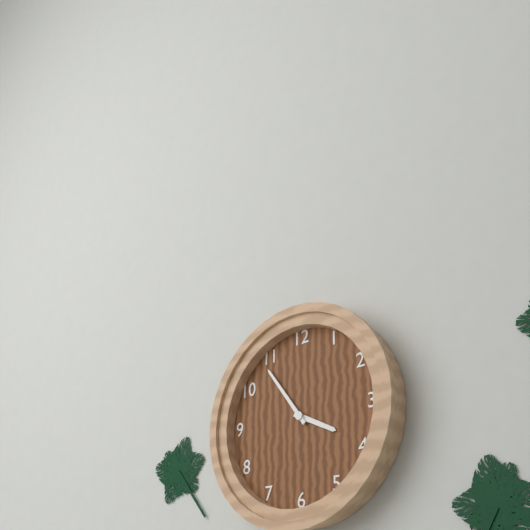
**3:54**
